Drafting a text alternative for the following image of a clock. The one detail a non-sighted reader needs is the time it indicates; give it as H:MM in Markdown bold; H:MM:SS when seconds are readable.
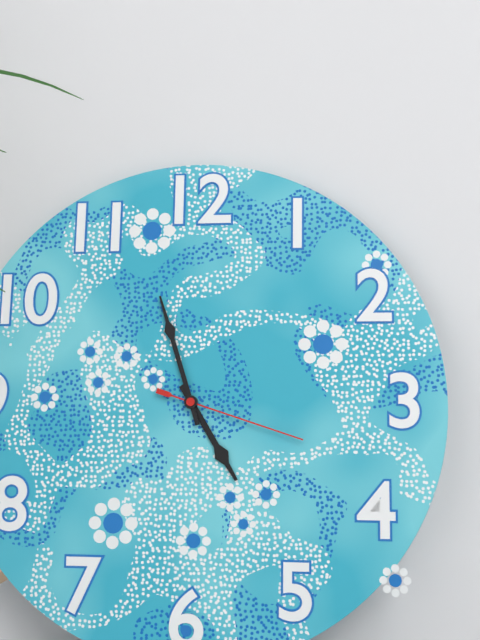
**4:57:18**
